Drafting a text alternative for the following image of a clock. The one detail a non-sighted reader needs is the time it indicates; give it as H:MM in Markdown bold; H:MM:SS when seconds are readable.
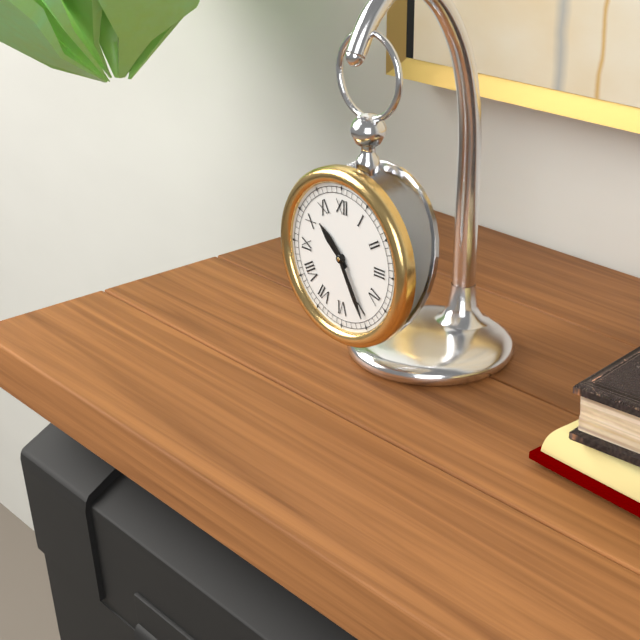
**10:25**
